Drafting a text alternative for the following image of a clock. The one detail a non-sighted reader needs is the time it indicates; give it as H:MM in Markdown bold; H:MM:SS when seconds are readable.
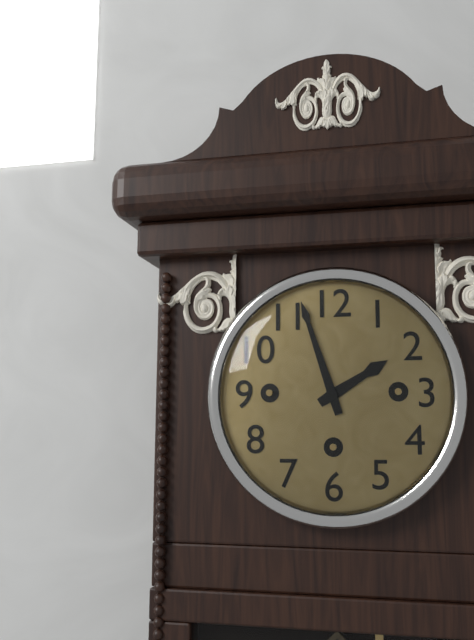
**1:57**
